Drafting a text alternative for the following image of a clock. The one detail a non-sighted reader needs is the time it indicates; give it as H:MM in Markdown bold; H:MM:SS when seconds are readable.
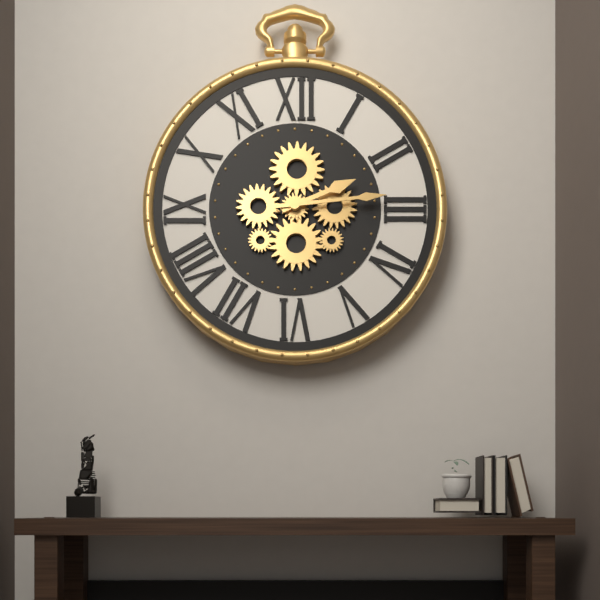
**2:14**
